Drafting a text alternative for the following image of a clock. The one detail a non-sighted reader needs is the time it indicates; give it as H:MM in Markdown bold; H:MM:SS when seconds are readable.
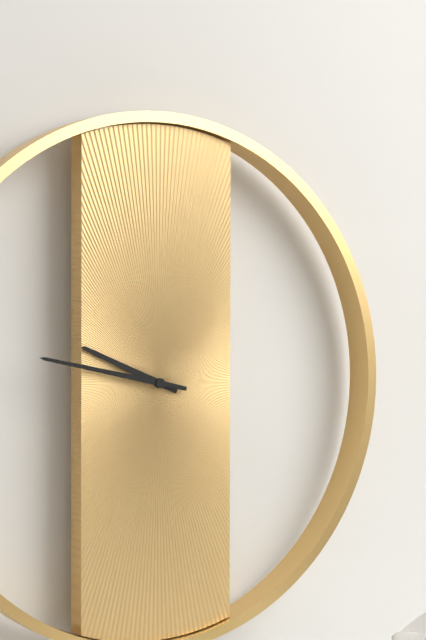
**9:47**
